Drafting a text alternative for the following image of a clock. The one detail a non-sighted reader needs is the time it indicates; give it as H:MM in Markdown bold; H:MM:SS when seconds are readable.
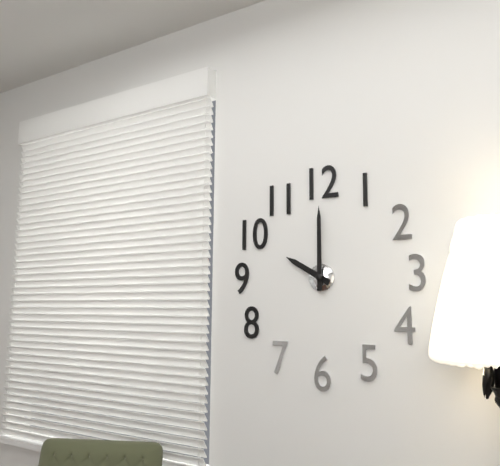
**10:00**
